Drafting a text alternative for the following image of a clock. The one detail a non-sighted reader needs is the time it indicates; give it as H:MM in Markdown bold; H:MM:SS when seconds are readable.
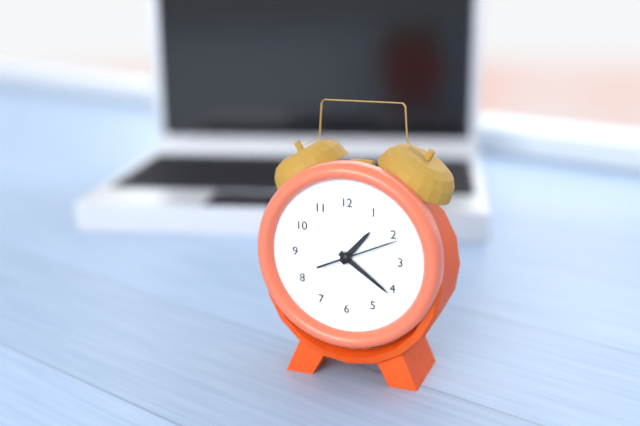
**1:21:11**
